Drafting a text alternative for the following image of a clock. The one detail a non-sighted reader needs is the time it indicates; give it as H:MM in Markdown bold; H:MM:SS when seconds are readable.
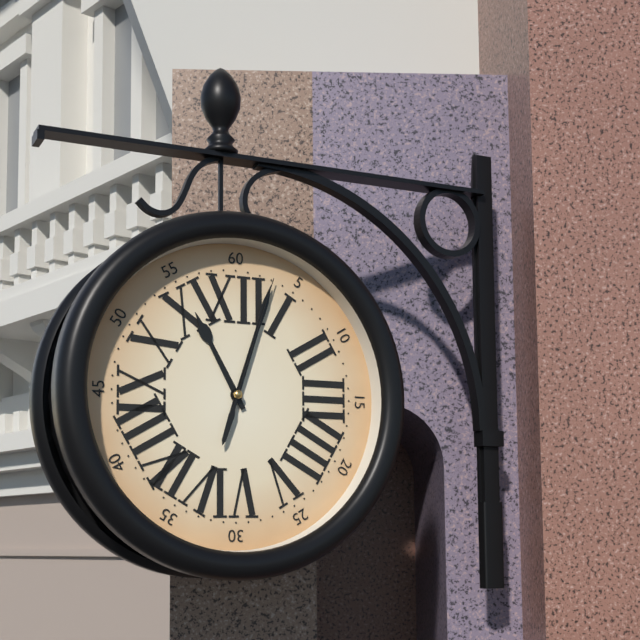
**11:03:03**
